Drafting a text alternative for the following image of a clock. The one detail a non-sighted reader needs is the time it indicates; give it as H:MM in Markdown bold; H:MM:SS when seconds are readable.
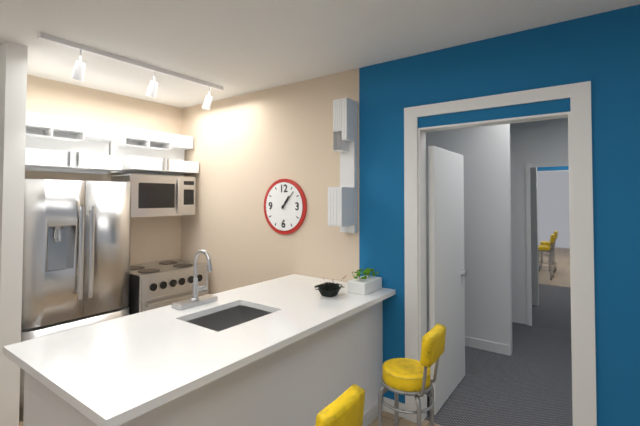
**1:07**
